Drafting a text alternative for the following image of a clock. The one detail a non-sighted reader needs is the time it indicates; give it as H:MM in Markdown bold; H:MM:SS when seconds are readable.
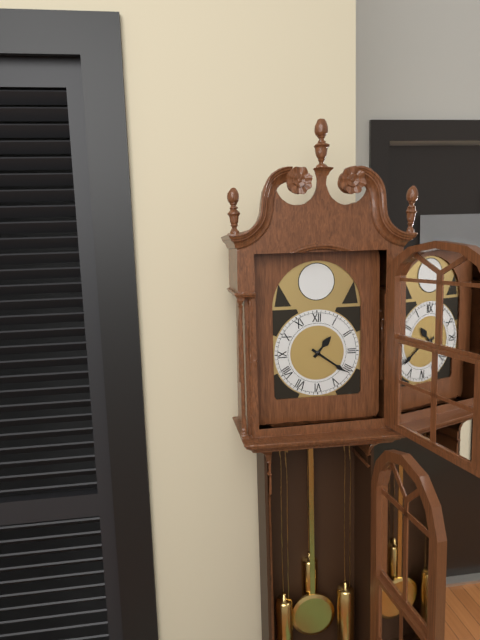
**1:21**
